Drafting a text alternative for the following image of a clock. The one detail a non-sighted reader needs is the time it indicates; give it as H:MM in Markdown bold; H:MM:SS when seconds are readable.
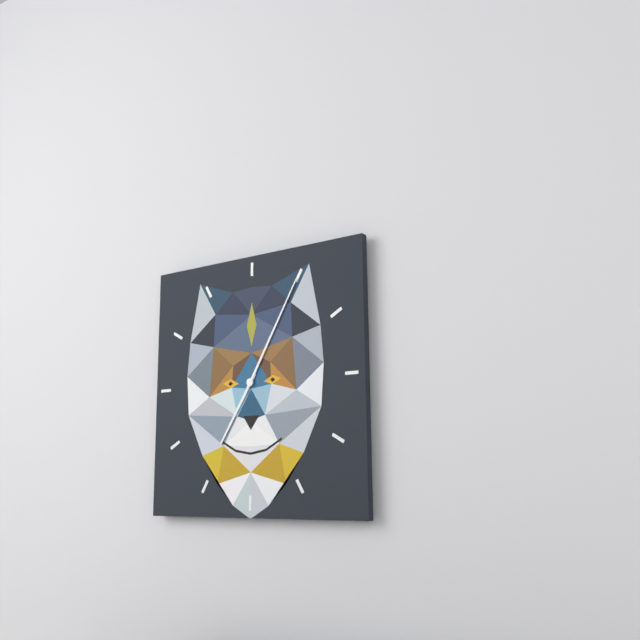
**7:05**
